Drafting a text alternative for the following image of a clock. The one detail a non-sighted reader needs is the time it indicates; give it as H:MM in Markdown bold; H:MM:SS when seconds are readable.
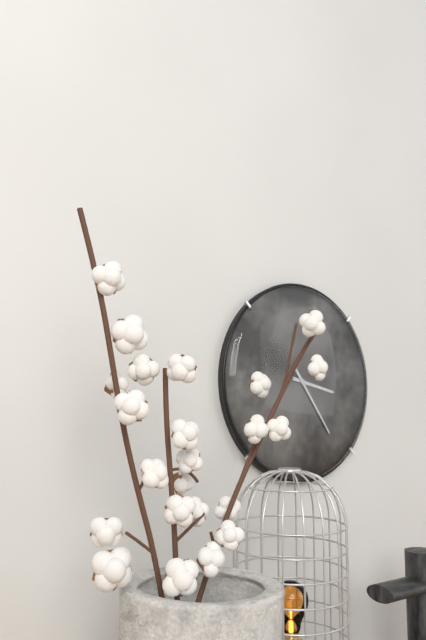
**3:24**
